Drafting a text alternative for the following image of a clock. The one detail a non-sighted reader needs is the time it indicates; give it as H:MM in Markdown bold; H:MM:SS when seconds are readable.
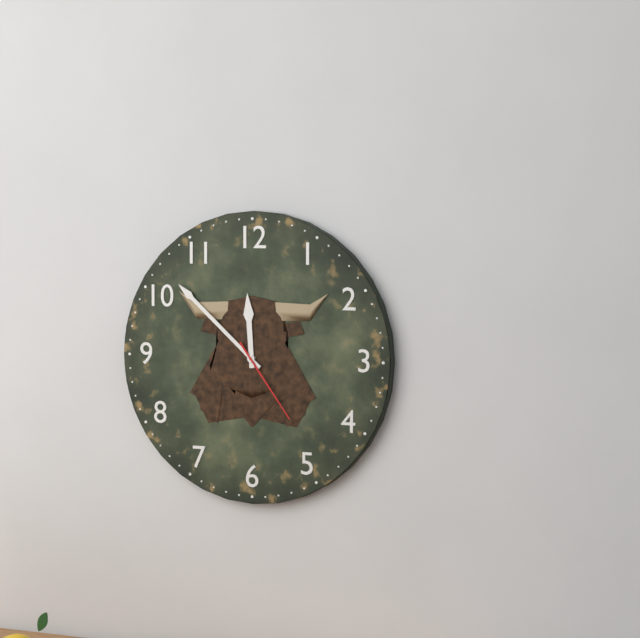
**11:52:24**
